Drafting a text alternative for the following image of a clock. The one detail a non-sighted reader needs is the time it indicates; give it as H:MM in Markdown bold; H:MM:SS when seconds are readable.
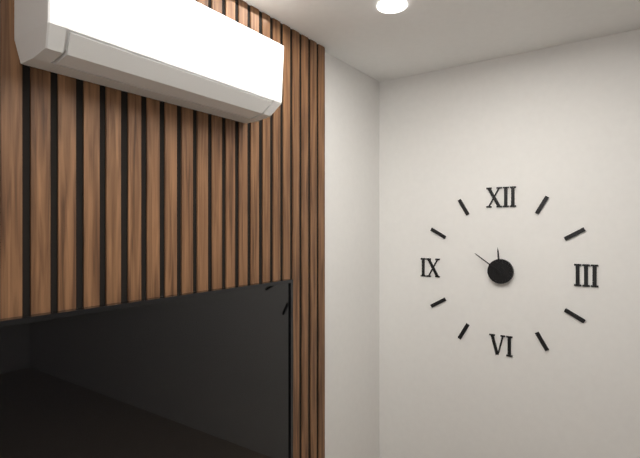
**11:51**
